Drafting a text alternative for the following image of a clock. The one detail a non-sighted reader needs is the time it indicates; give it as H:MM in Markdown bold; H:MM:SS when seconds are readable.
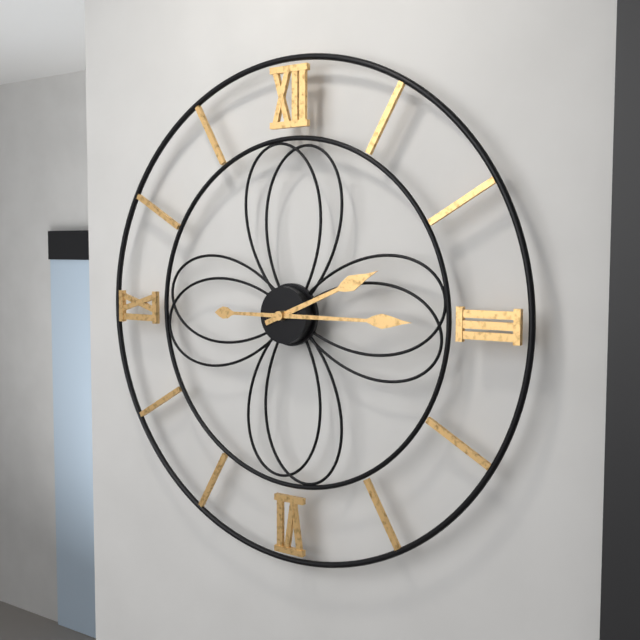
**2:15**
